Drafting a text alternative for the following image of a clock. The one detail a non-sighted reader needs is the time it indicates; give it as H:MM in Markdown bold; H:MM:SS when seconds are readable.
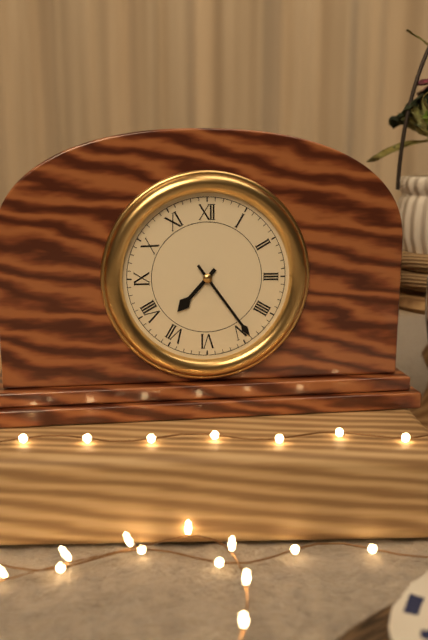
**7:24**
